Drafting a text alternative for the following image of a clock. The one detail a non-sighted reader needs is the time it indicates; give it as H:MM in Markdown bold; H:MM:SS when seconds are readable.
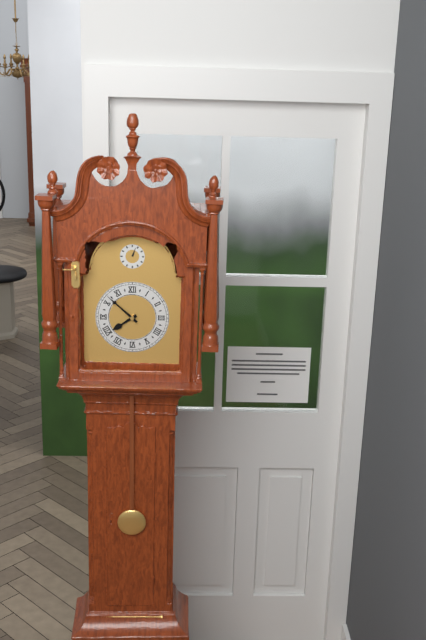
**7:52**
